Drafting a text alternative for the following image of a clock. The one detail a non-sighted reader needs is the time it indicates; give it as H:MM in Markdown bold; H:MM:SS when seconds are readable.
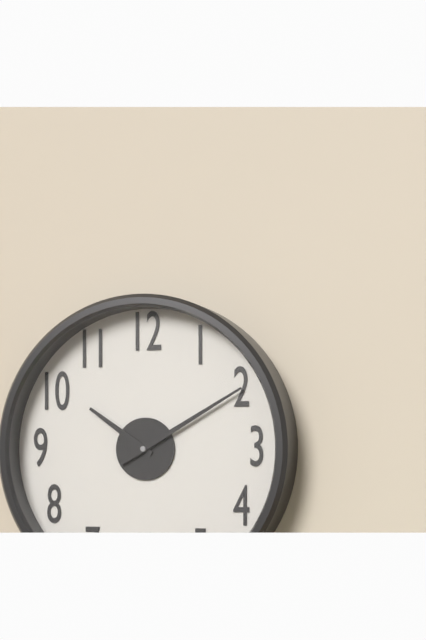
**10:10**
